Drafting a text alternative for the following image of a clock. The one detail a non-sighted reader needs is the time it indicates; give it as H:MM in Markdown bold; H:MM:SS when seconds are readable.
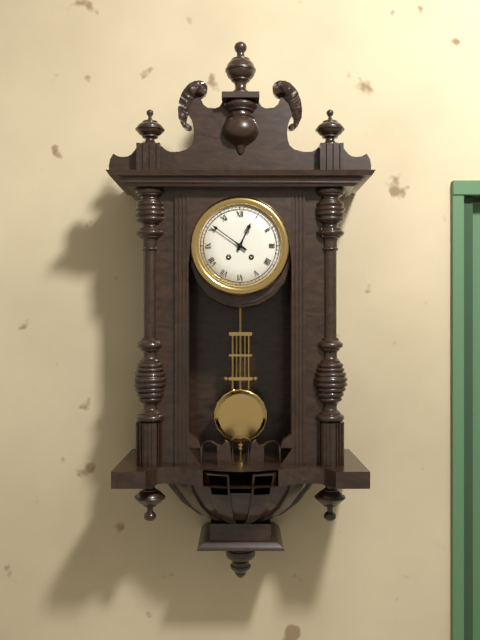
**12:51**
